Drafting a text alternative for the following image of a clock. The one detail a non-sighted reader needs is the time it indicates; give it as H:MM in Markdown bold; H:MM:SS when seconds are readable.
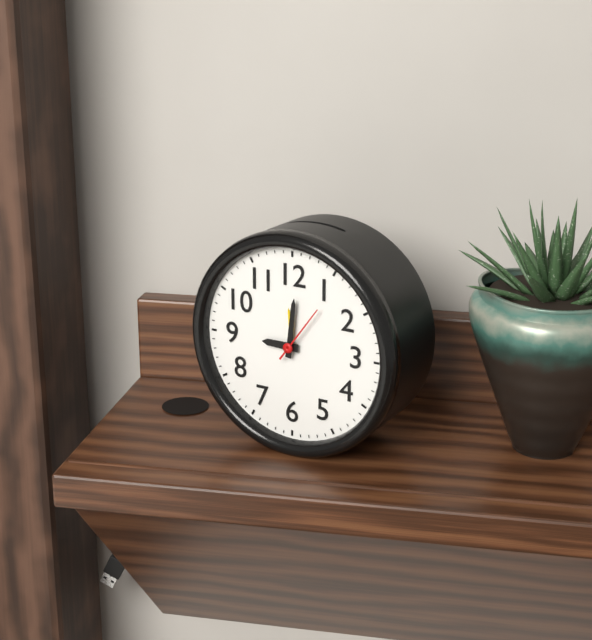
**9:01:06**
